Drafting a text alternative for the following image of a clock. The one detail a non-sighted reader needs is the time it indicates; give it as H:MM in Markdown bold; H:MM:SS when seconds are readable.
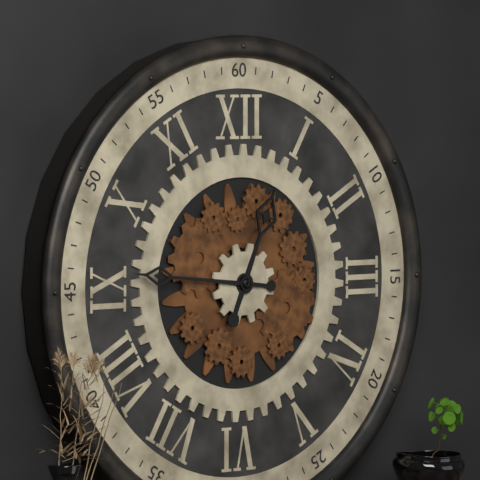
**12:46**
